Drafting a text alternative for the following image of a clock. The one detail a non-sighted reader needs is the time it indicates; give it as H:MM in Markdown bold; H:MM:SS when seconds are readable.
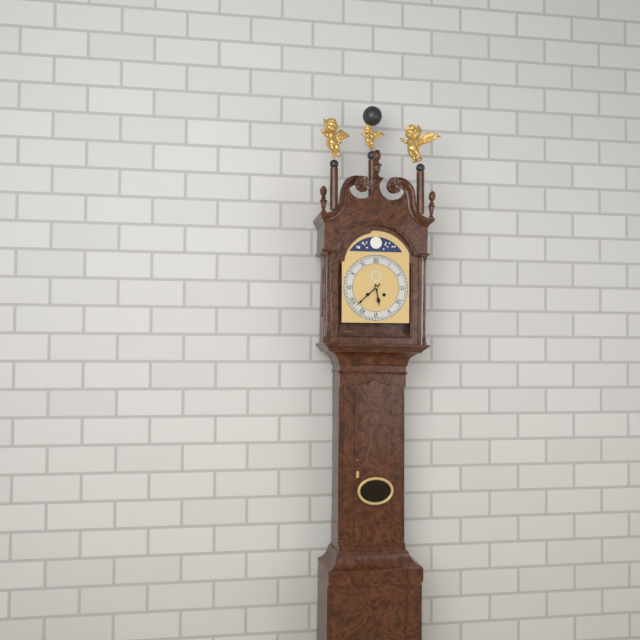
**5:38**
